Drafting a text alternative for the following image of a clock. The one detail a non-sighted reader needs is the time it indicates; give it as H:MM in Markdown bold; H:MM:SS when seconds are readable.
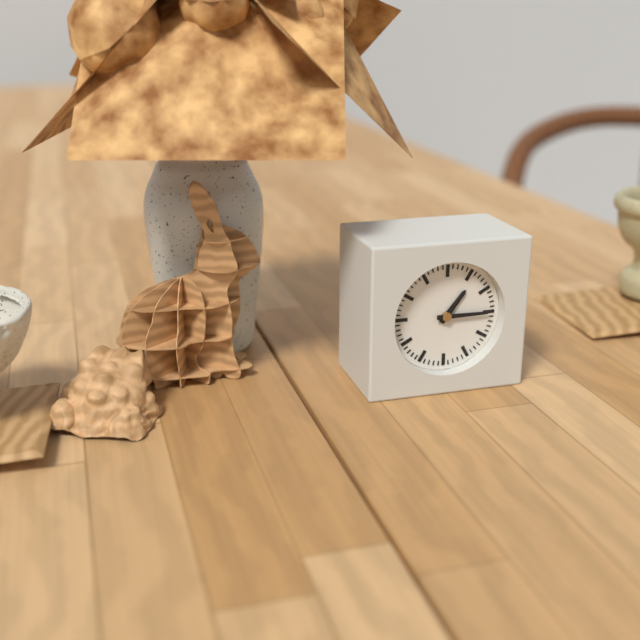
**1:15**
